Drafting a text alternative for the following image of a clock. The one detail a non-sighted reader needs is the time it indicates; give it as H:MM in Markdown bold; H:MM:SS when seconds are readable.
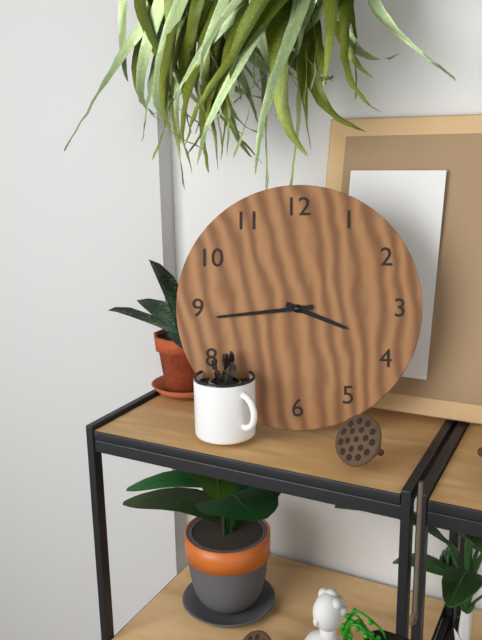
**3:44**
